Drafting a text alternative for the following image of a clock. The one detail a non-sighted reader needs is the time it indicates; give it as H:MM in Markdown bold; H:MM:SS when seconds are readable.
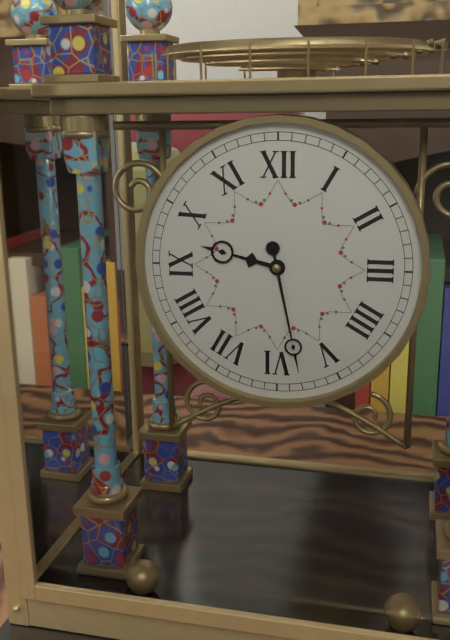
**9:28**
